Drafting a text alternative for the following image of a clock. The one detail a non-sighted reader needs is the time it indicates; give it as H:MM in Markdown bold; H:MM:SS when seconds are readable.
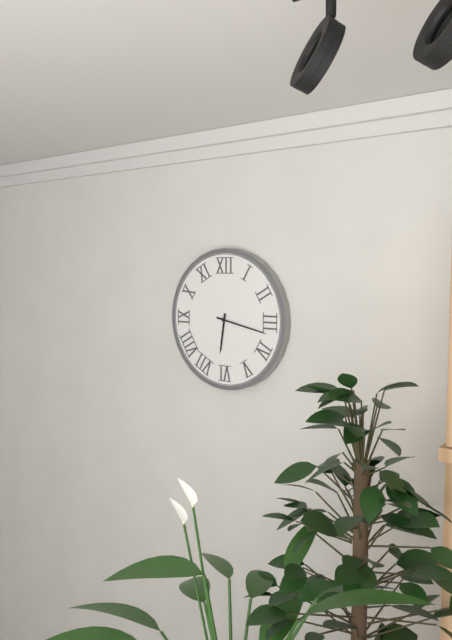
**6:17**
